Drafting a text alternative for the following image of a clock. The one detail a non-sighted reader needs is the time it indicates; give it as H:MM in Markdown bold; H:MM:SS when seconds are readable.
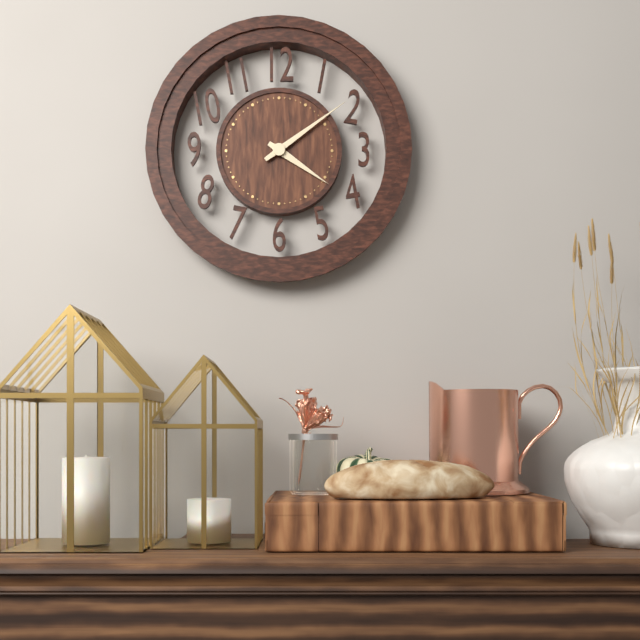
**4:09**
